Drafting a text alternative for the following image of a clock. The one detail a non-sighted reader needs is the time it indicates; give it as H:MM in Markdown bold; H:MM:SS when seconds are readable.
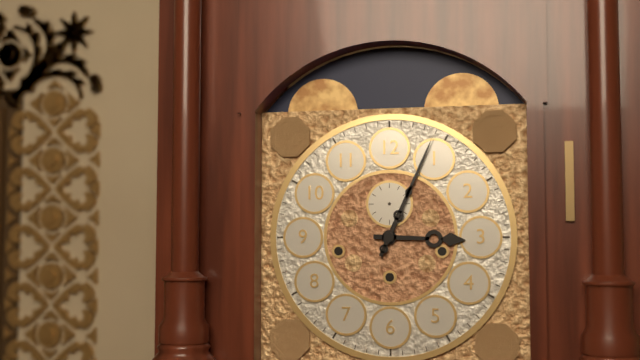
**3:04**
